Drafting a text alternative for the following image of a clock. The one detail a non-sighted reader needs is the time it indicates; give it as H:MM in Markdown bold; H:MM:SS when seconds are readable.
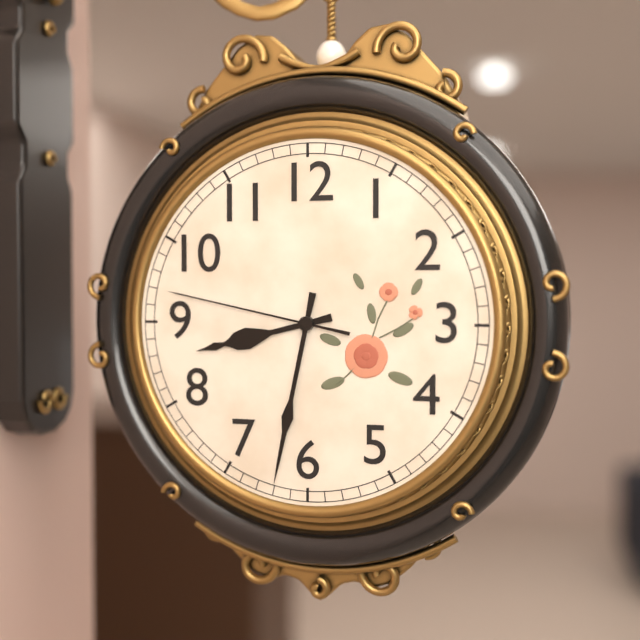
**8:32:47**
